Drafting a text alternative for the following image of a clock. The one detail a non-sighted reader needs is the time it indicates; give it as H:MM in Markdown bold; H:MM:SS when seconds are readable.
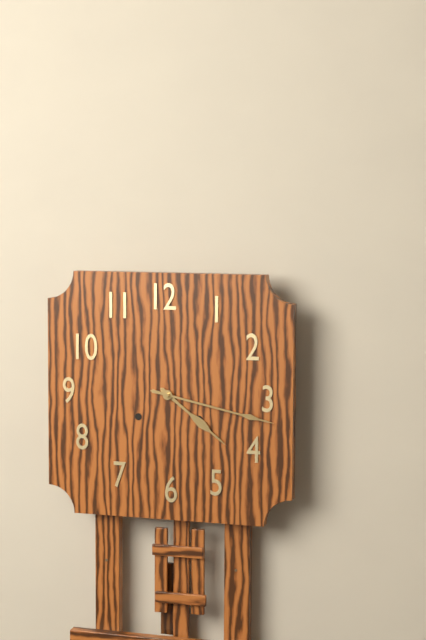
**4:17**
